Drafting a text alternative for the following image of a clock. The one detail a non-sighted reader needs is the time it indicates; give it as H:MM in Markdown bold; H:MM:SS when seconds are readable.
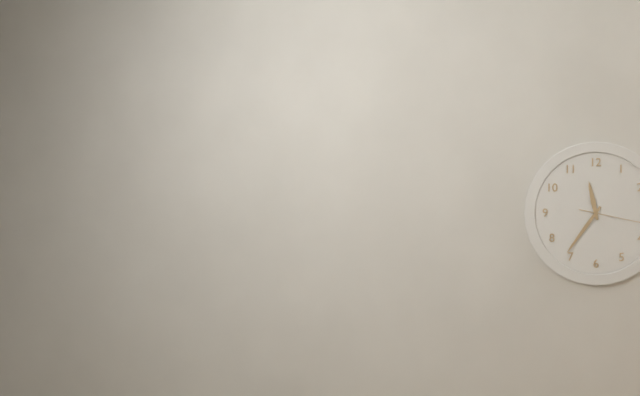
**11:36**
